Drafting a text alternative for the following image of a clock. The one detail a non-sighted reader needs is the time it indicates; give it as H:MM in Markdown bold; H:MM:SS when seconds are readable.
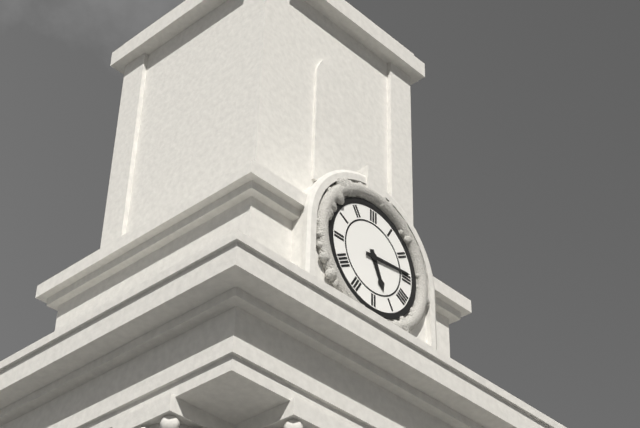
**5:14**
